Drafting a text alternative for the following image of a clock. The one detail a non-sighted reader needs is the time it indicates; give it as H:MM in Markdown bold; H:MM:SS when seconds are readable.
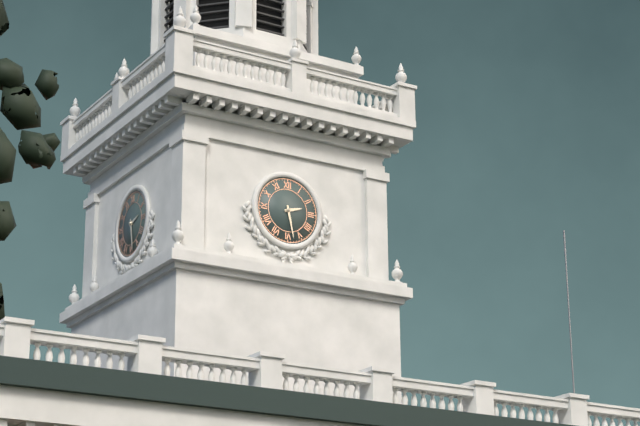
**2:28**
